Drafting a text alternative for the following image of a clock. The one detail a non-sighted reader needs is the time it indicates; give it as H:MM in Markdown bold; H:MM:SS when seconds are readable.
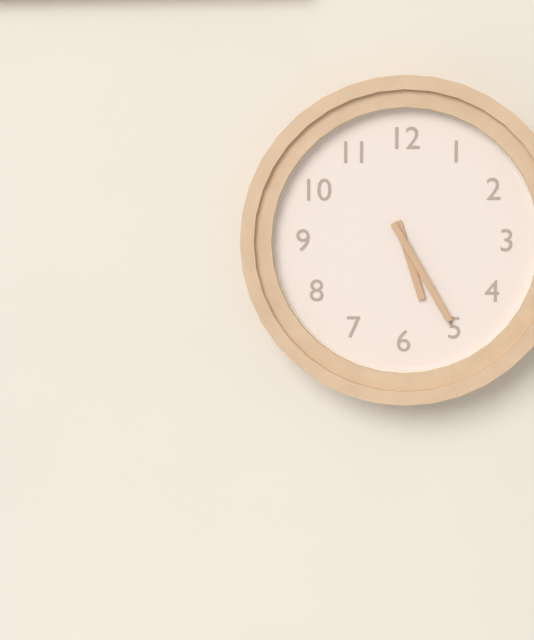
**5:25**
